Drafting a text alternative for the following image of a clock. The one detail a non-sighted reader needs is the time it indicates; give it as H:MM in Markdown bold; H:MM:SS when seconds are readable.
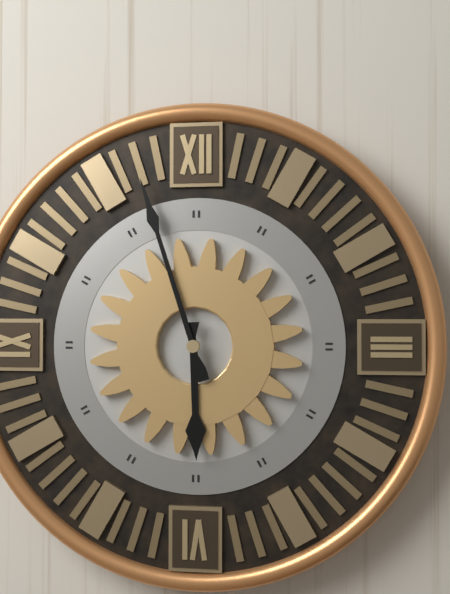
**5:57**
